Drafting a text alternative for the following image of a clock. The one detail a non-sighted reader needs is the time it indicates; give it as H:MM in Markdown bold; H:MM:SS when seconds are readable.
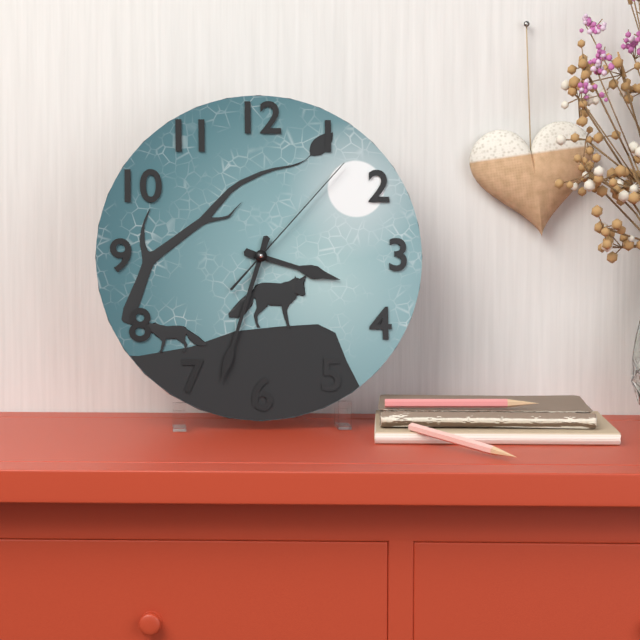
**3:33:07**
